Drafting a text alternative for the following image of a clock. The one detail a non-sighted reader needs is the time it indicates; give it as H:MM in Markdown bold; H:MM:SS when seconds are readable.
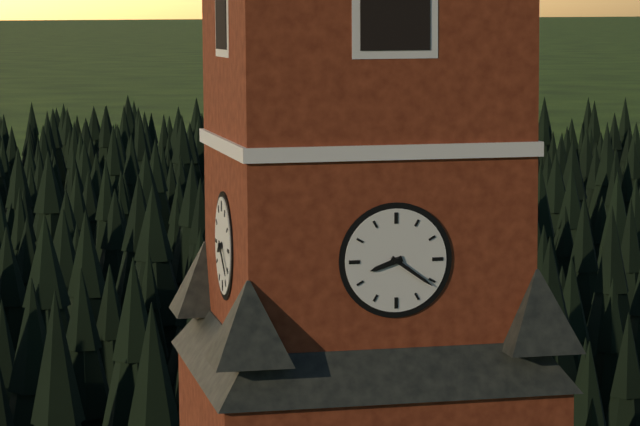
**8:21**
